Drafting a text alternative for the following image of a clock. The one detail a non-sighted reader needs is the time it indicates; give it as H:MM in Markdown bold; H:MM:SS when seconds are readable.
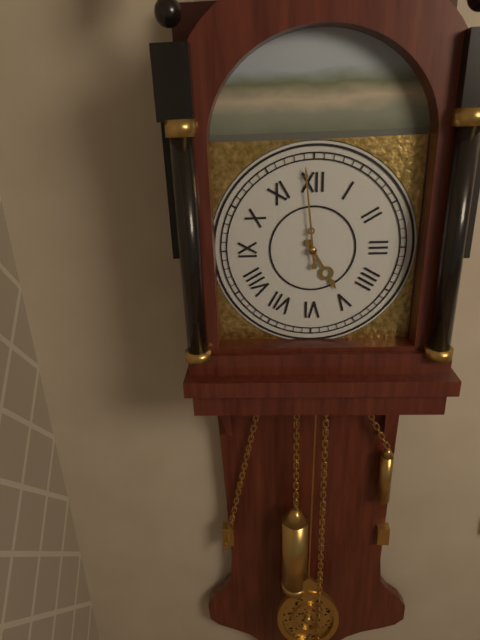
**4:59**
